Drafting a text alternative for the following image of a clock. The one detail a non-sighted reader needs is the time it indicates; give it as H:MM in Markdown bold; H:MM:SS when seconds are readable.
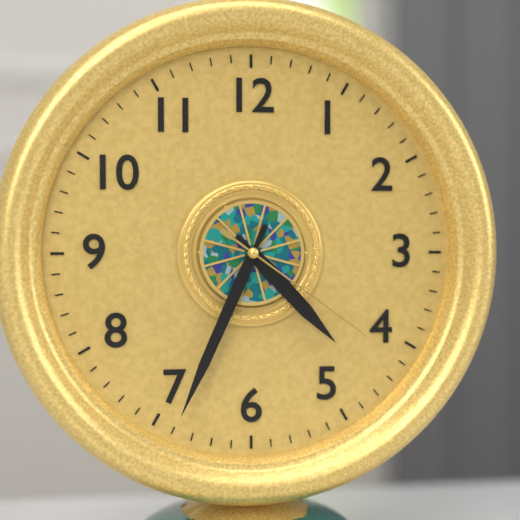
**4:34:21**
